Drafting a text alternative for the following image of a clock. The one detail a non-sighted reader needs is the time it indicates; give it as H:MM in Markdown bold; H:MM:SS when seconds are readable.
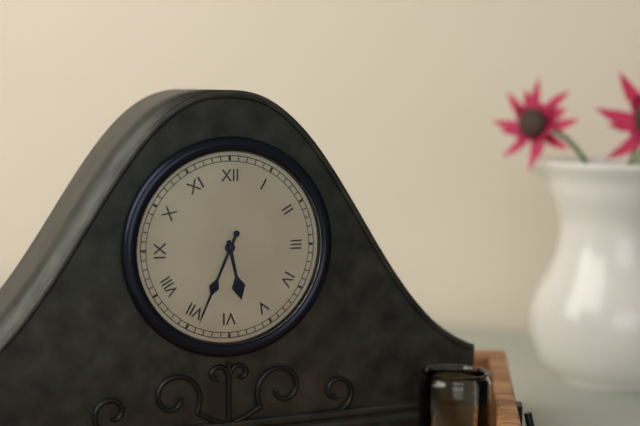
**5:34**
